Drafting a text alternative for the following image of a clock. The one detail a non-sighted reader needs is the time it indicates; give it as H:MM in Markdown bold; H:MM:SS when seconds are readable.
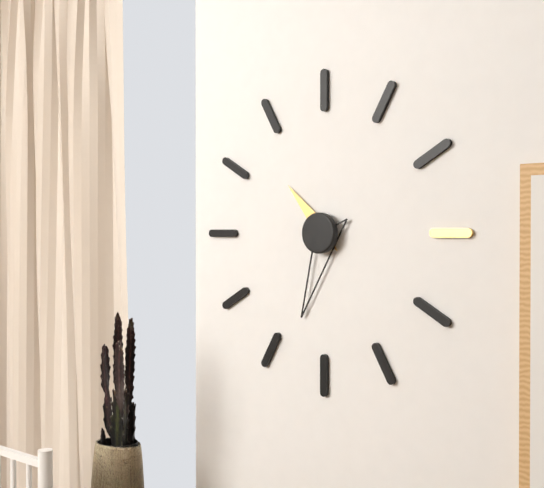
**10:33**
